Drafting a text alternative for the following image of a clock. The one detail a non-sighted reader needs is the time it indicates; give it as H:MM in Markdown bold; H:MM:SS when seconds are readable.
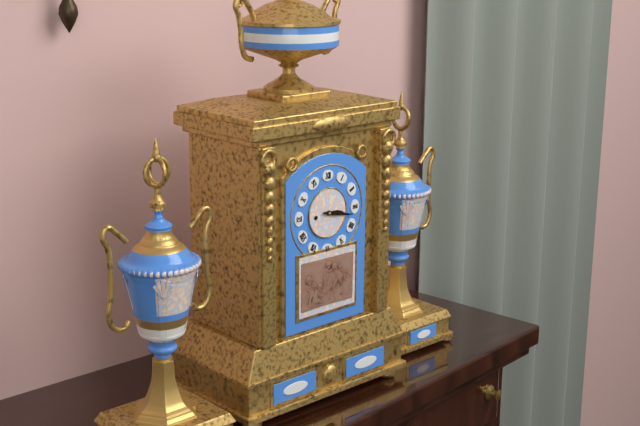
**3:17**
